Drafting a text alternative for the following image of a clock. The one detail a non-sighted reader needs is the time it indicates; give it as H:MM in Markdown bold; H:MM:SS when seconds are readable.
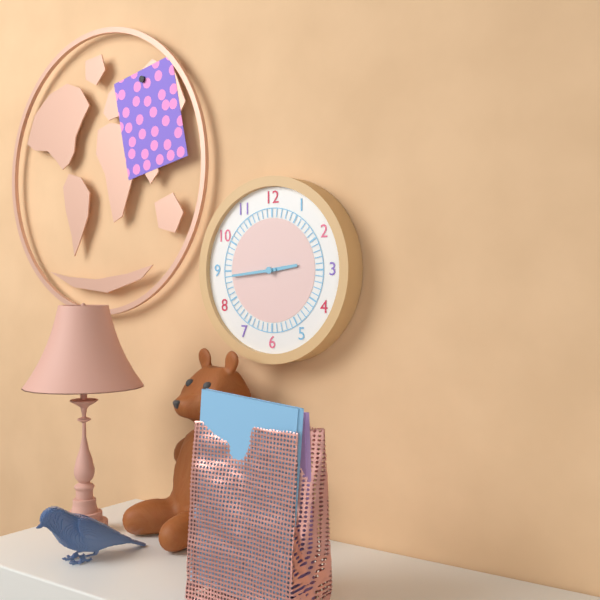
**2:44**
